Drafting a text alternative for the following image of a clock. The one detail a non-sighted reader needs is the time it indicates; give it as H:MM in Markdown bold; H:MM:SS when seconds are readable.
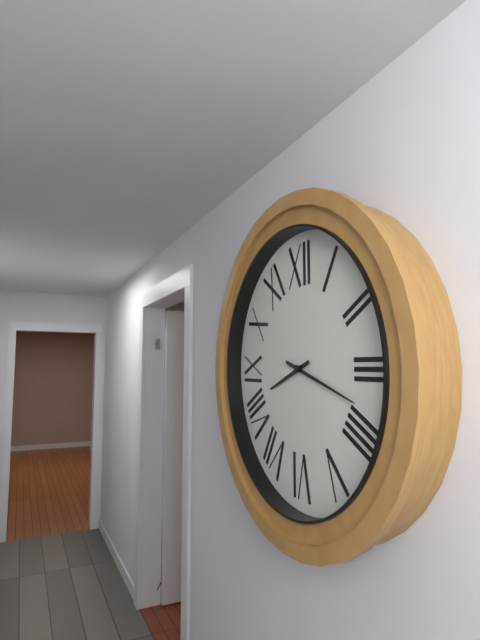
**8:18**
